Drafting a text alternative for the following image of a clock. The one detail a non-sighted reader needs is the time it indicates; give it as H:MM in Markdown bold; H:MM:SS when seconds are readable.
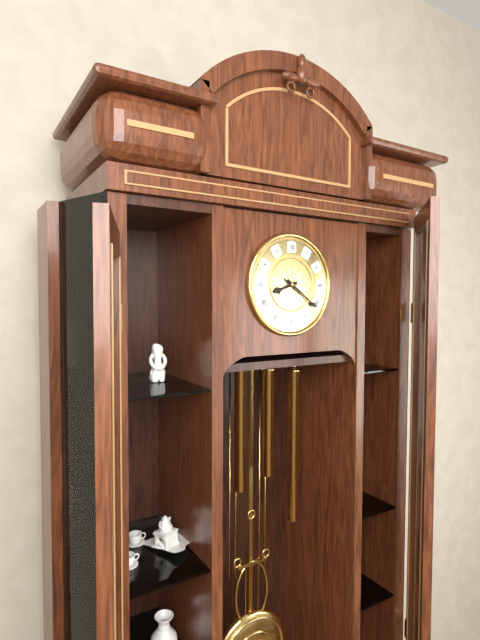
**8:21**
